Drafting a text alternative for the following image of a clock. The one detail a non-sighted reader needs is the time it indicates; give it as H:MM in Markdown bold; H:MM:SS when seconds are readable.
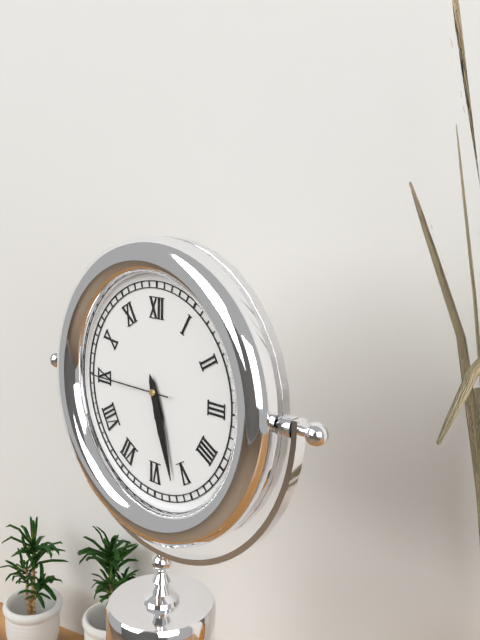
**5:27:45**
